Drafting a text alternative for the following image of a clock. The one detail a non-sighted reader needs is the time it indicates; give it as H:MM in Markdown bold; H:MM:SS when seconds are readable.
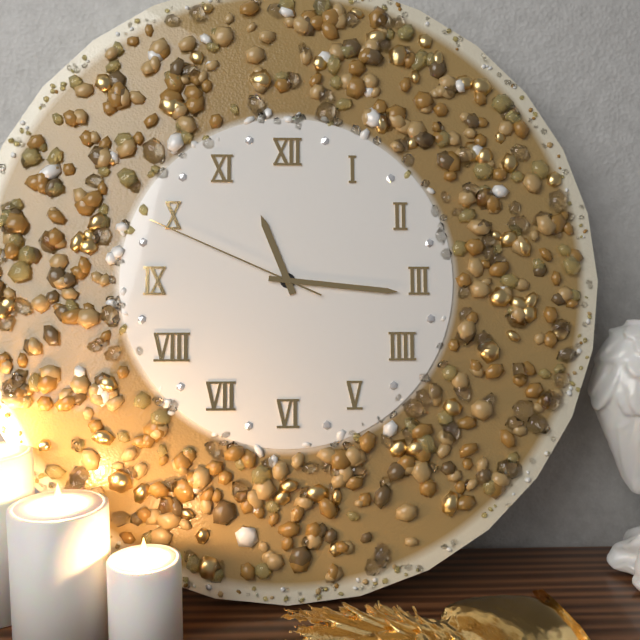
**11:16:49**
